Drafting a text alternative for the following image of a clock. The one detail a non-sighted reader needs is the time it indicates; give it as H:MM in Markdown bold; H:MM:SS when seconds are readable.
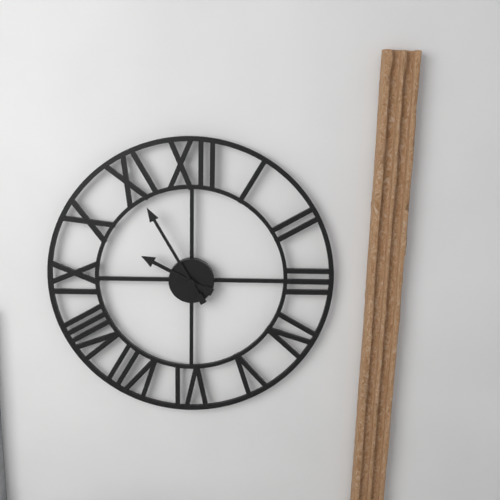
**9:55**
